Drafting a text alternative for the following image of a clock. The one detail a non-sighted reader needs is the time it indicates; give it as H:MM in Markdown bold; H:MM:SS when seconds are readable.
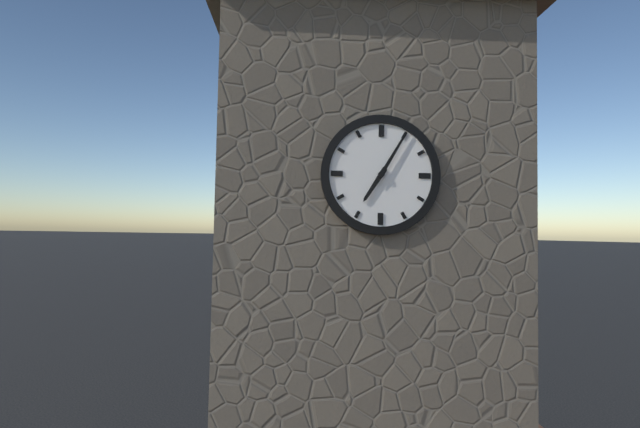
**7:05**
